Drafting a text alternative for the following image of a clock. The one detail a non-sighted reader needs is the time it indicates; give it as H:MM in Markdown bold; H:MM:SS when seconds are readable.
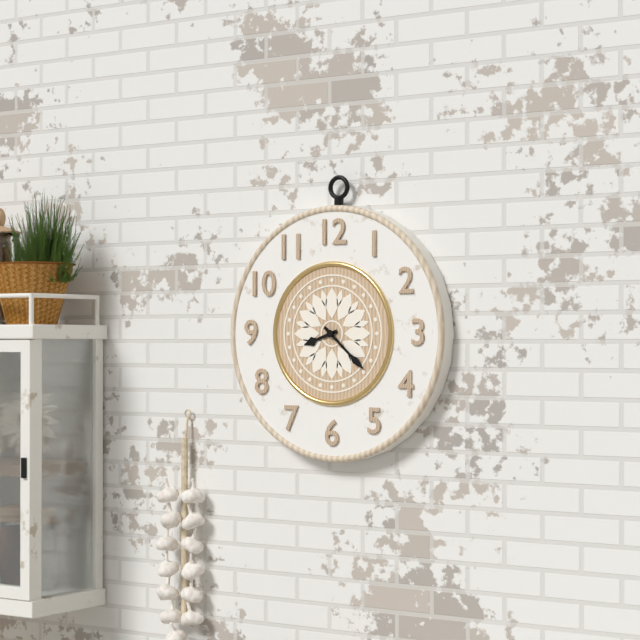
**8:22**
